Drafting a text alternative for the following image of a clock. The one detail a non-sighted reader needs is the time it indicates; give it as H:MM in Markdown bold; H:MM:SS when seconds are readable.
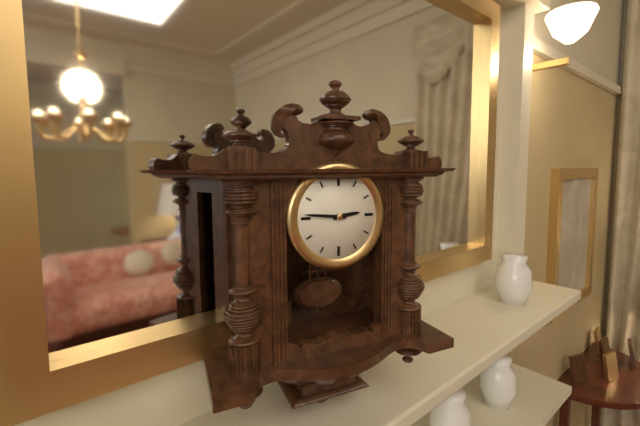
**2:46**
